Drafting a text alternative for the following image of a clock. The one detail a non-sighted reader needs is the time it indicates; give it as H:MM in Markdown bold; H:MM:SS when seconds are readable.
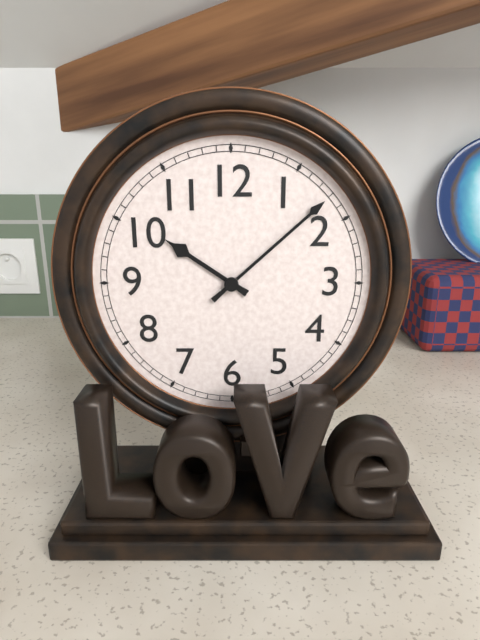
**10:08**
